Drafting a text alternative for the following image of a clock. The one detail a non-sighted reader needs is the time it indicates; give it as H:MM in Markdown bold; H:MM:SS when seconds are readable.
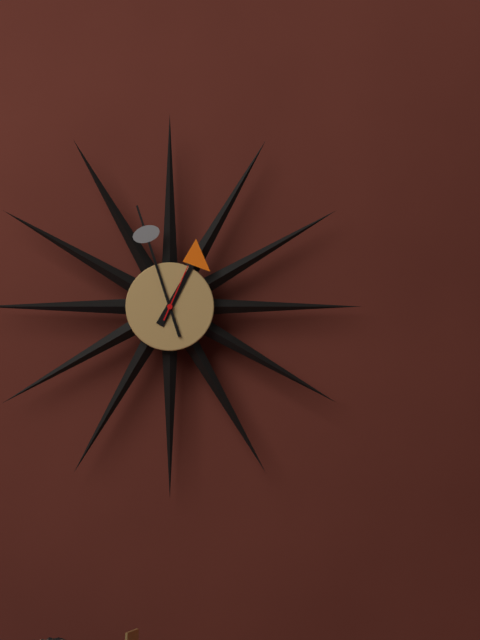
**12:57:04**
